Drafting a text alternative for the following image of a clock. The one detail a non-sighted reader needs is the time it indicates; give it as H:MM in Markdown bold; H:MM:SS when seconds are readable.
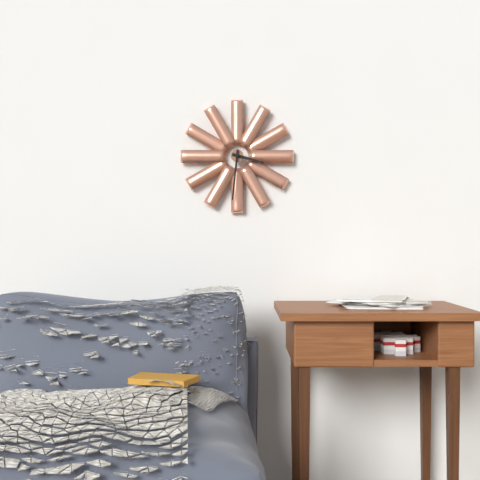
**3:31**
